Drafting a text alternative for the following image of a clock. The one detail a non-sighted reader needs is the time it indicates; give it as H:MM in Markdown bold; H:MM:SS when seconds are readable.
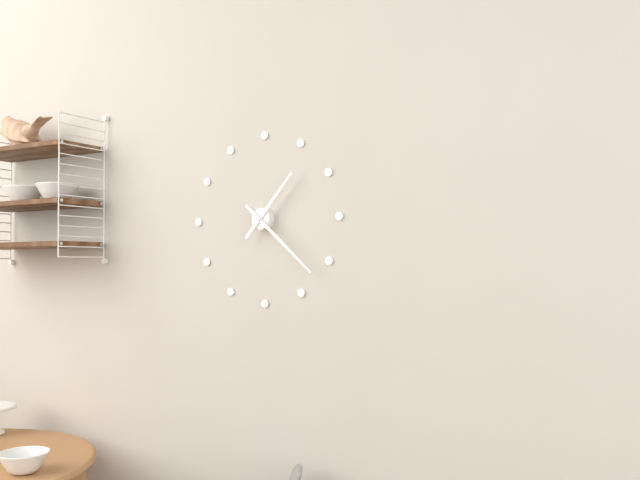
**1:22**
